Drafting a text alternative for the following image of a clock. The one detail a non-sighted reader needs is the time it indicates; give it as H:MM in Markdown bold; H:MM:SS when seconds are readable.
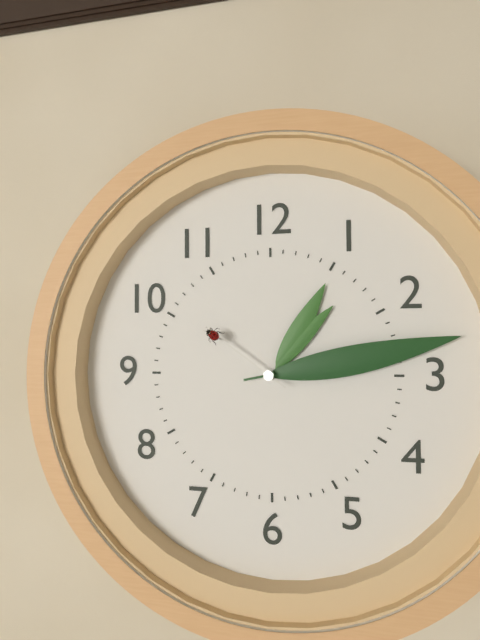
**1:13:51**
